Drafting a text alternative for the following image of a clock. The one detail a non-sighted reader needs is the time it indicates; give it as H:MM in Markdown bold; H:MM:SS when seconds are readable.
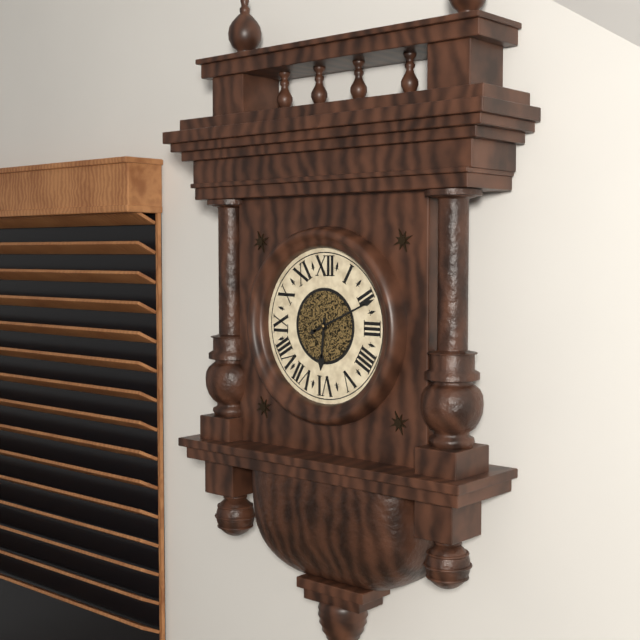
**6:11**
